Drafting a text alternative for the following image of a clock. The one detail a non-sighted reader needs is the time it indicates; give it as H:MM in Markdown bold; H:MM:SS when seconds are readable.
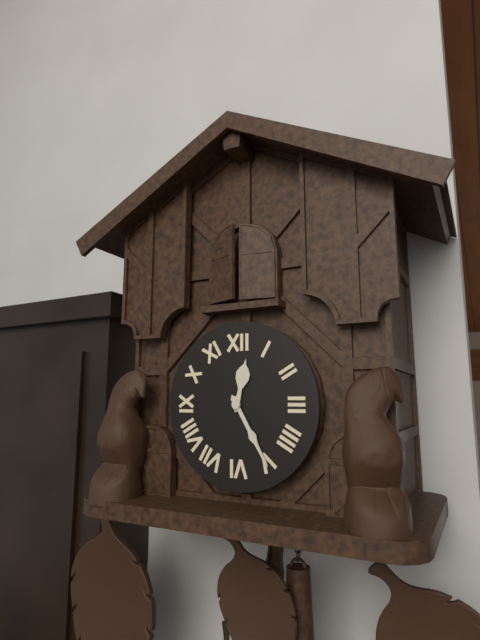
**12:25**
